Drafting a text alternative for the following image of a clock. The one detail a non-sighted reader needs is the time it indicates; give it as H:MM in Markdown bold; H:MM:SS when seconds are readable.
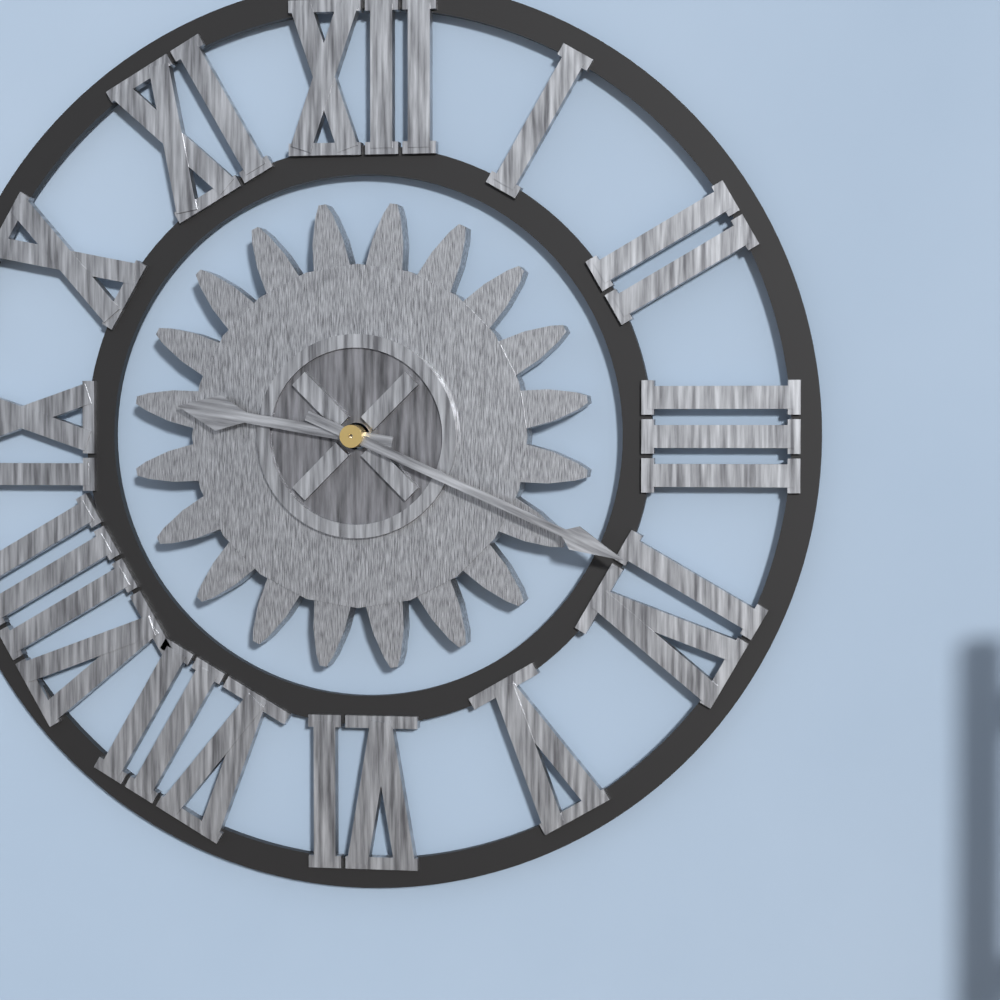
**9:19**
